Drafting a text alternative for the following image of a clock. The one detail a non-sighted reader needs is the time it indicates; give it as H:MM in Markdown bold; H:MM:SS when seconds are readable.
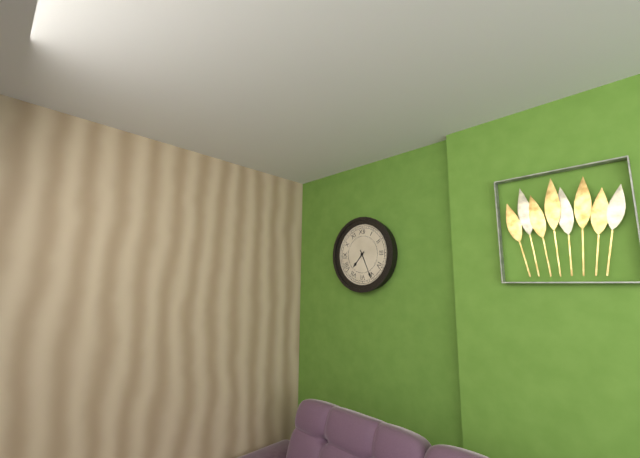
**7:26**
